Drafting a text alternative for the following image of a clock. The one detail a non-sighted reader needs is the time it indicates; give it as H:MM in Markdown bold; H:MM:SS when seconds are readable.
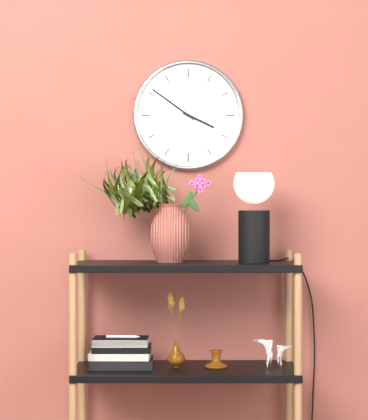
**3:51**
